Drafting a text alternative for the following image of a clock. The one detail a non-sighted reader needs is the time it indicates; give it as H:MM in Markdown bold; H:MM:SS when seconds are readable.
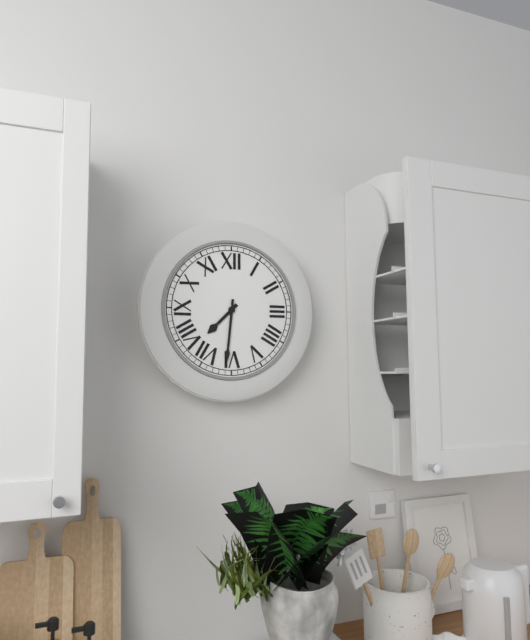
**7:31**
